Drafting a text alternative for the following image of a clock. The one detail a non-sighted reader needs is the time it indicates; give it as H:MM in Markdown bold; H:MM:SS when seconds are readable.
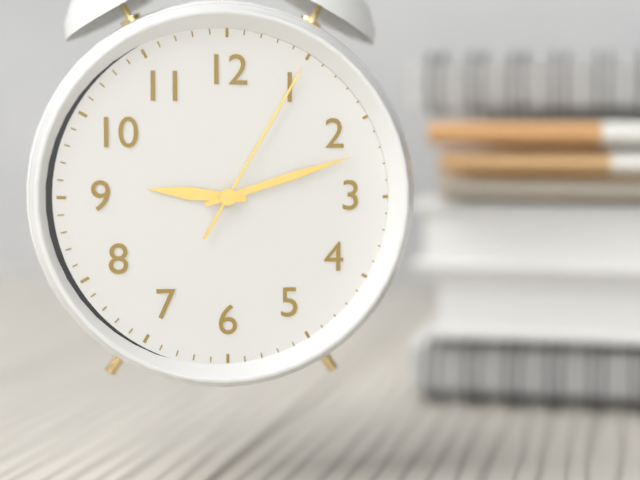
**9:12:05**
